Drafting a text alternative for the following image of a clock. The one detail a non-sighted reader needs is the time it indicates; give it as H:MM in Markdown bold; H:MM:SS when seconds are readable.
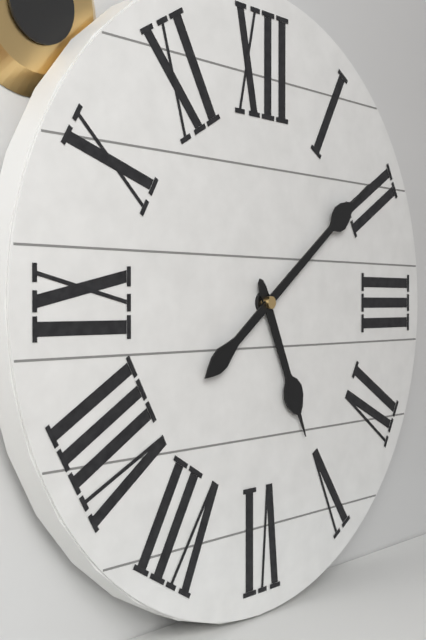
**5:09**
